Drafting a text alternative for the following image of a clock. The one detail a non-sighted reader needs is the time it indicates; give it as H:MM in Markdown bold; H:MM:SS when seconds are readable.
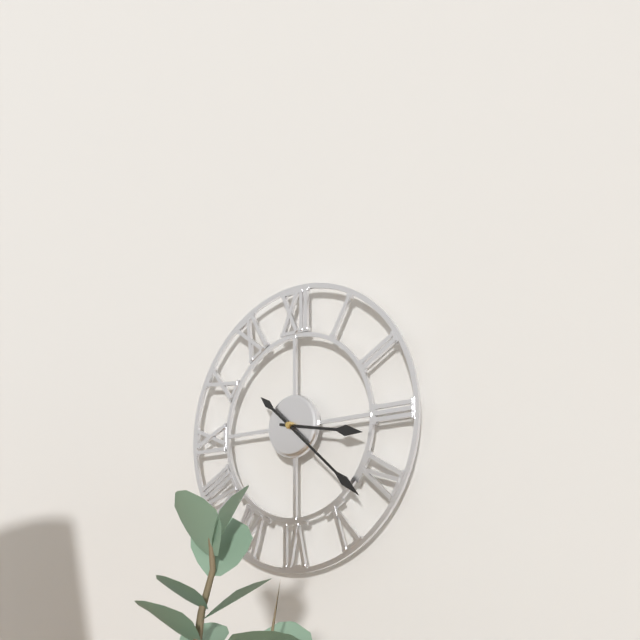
**3:22**
